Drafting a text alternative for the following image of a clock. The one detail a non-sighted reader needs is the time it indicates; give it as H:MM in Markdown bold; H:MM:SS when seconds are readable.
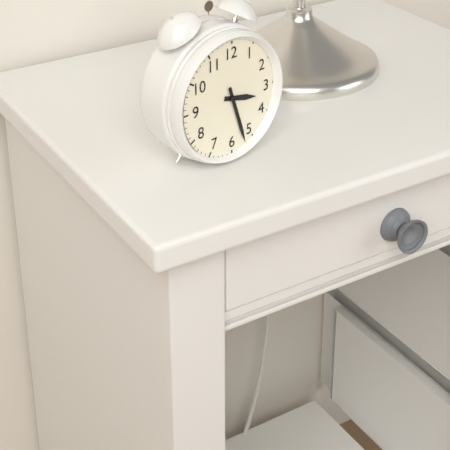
**3:27**
